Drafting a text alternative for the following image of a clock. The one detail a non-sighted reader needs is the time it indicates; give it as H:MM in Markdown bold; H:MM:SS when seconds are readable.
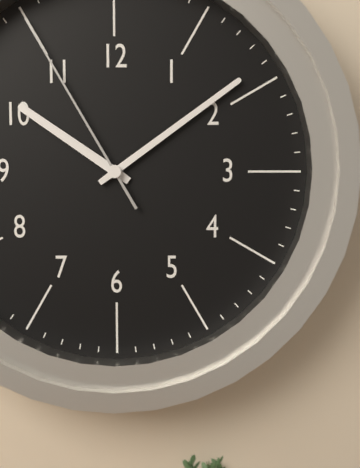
**10:09:55**
